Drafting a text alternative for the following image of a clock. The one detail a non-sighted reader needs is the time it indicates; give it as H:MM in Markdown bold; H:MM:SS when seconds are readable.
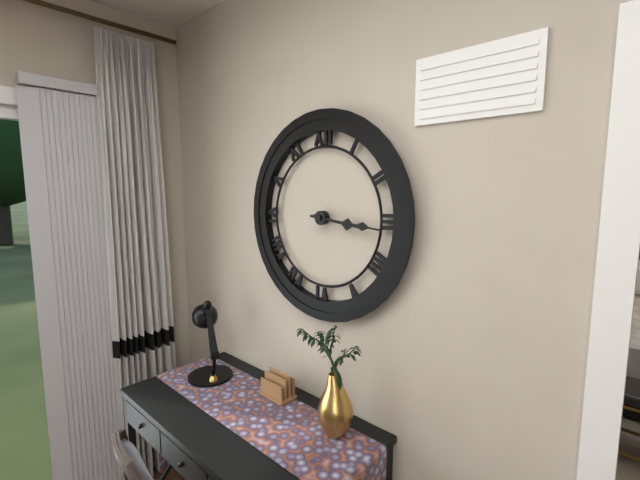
**3:16**
